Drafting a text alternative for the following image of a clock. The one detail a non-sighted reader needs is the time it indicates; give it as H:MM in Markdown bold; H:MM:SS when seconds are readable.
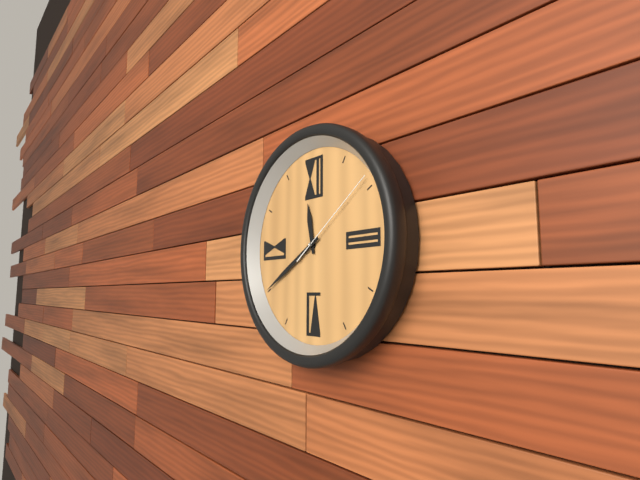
**11:40:09**
